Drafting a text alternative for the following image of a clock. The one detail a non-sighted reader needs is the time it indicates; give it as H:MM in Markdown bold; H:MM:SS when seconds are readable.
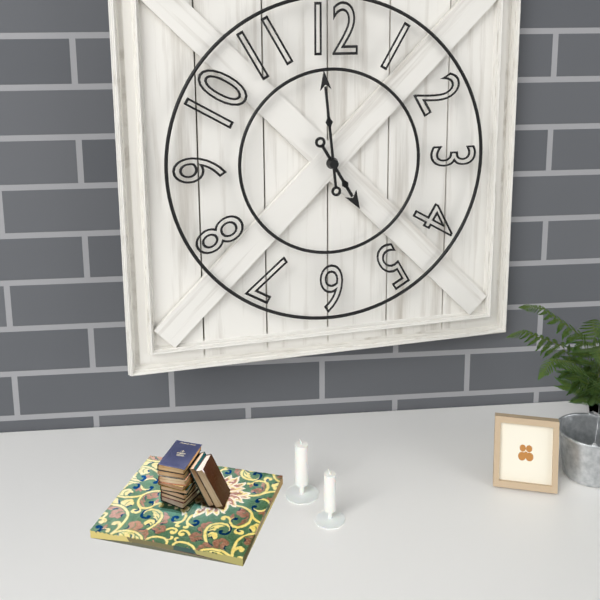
**4:59**
